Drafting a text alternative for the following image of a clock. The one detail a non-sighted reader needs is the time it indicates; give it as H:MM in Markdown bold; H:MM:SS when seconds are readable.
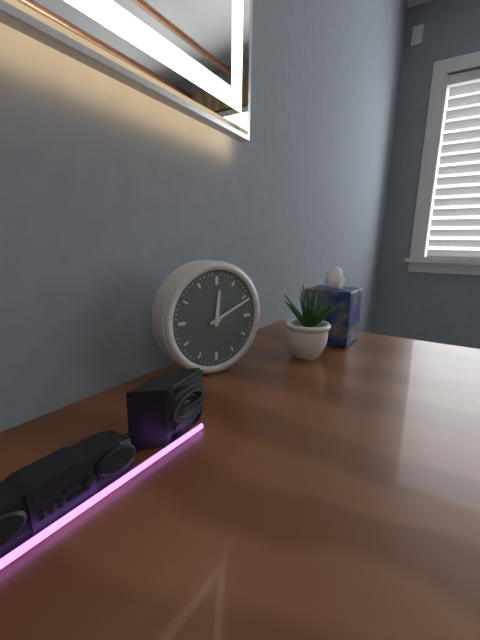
**12:11**
